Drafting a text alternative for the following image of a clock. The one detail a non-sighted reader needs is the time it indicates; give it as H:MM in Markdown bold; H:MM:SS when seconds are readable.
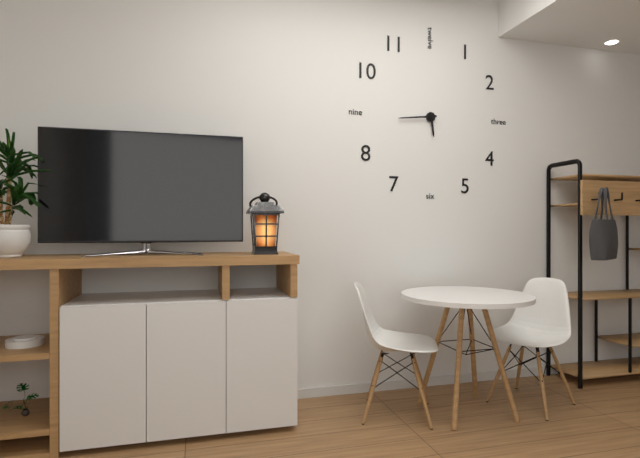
**5:44**
